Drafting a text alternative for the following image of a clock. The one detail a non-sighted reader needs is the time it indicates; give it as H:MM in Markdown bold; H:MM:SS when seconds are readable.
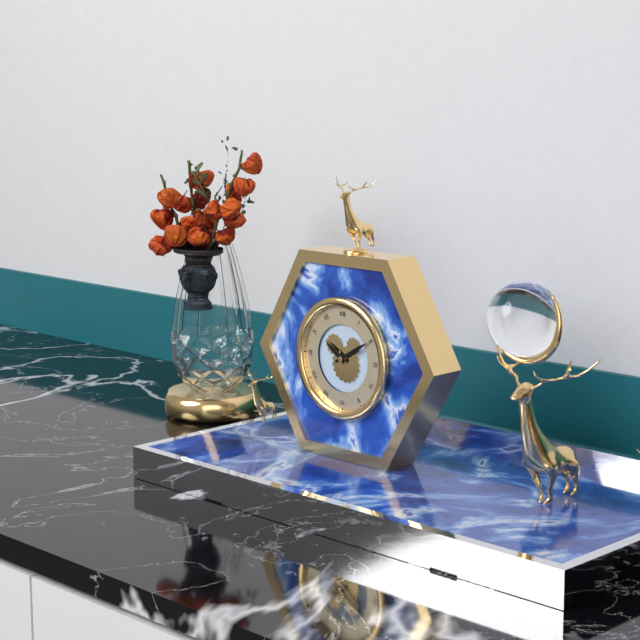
**10:10**
